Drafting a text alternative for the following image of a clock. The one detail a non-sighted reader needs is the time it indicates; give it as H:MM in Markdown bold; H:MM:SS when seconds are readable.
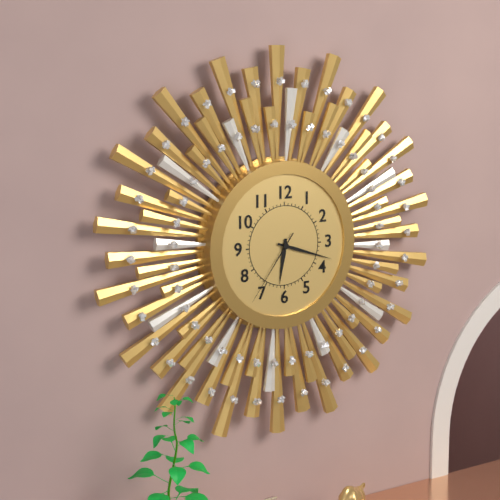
**6:18:36**
